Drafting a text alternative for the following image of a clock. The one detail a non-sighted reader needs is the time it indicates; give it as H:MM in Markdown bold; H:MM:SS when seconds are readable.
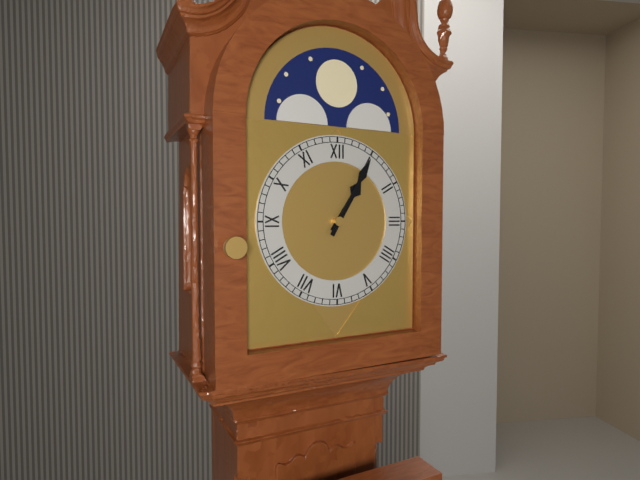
**1:05**
